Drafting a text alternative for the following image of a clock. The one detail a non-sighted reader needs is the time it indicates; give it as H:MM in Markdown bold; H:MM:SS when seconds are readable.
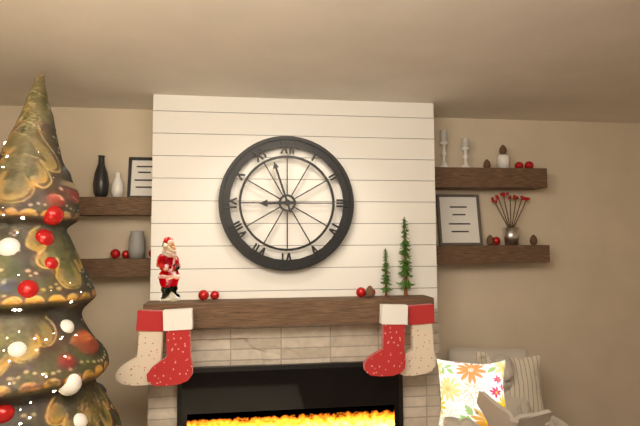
**8:57**
